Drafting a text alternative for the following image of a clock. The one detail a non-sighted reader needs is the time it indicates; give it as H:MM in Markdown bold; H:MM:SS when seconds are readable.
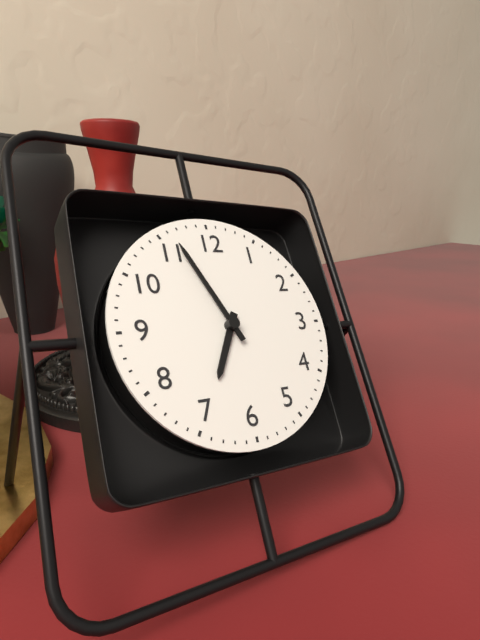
**6:56**
